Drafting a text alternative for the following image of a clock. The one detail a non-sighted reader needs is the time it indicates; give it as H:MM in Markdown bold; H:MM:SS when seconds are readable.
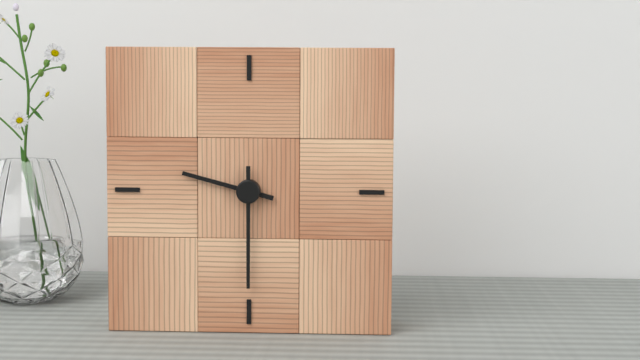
**9:30**
